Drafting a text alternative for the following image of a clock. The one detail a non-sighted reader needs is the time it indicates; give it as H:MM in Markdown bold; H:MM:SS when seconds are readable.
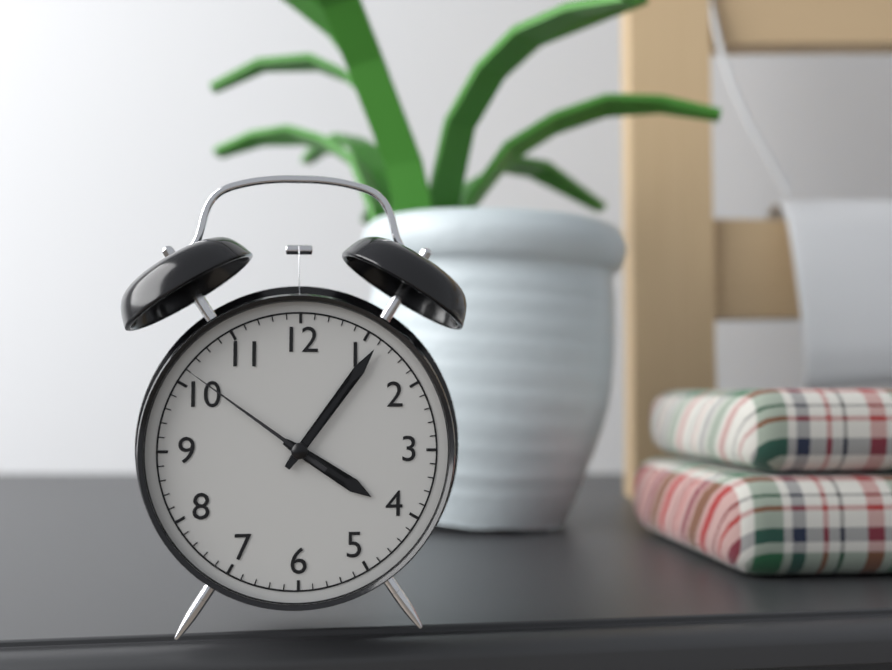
**4:06:51**
